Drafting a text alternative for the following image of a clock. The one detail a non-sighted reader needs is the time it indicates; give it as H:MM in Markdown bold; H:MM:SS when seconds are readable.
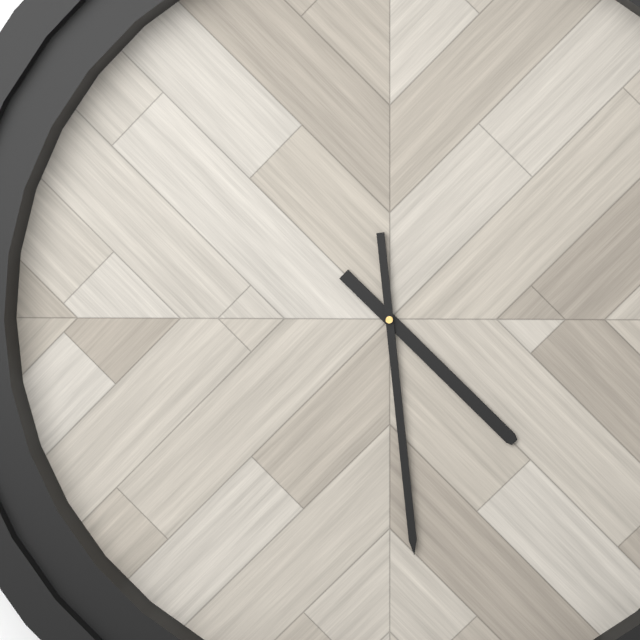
**4:29**
